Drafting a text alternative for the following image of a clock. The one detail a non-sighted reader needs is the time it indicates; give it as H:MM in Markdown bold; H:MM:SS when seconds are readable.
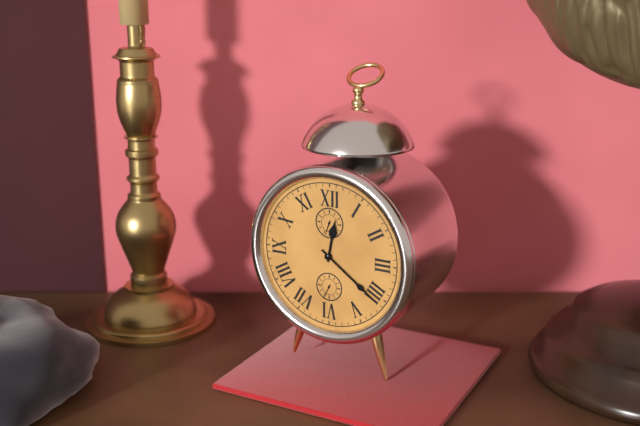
**12:21**
